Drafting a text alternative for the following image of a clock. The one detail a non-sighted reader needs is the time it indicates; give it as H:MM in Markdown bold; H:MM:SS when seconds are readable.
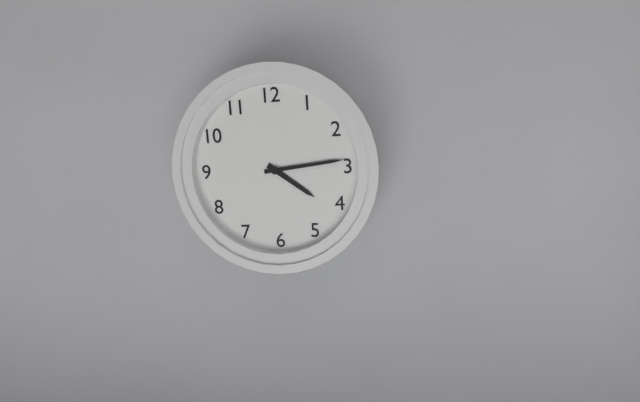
**4:14**
